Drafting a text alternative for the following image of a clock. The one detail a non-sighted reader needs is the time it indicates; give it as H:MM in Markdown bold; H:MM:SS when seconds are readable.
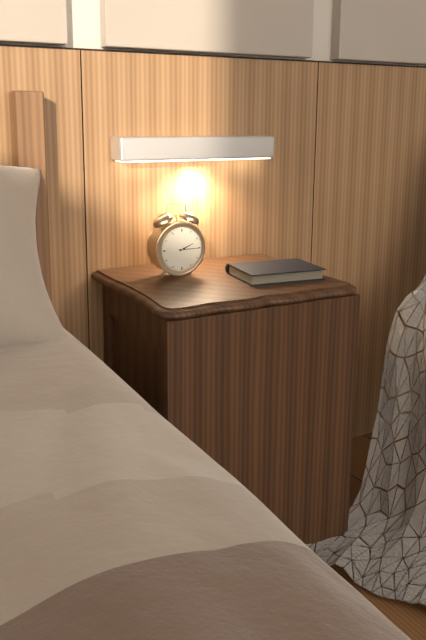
**2:15**
